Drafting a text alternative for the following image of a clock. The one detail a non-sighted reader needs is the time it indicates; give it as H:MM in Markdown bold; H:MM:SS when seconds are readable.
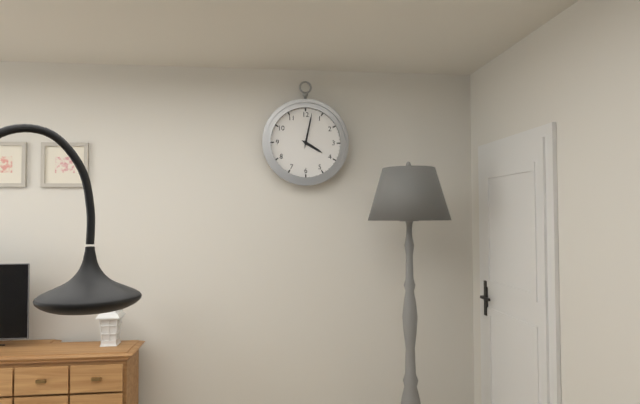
**4:02**
